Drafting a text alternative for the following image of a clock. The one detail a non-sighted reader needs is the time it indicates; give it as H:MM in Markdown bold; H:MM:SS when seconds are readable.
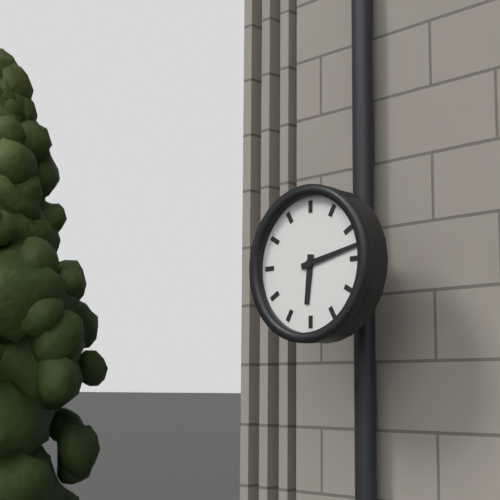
**6:13**
